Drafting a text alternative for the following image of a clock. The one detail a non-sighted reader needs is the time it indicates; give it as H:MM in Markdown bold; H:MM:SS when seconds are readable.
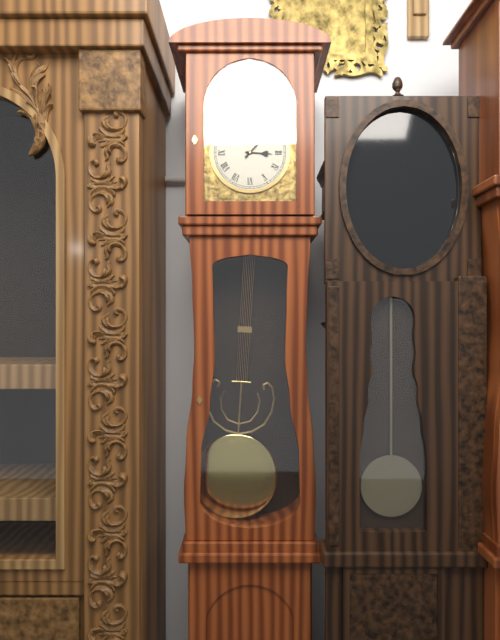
**3:07**
